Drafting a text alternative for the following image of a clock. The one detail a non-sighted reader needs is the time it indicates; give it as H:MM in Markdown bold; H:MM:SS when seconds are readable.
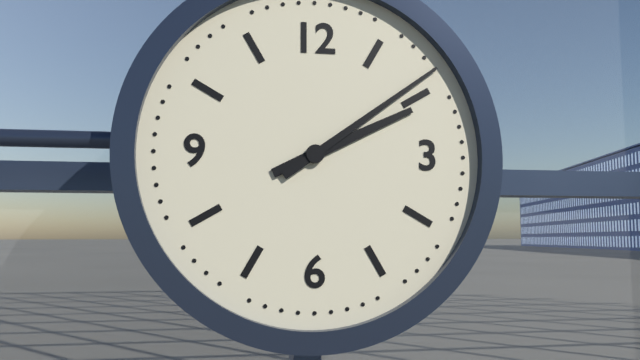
**2:09**
